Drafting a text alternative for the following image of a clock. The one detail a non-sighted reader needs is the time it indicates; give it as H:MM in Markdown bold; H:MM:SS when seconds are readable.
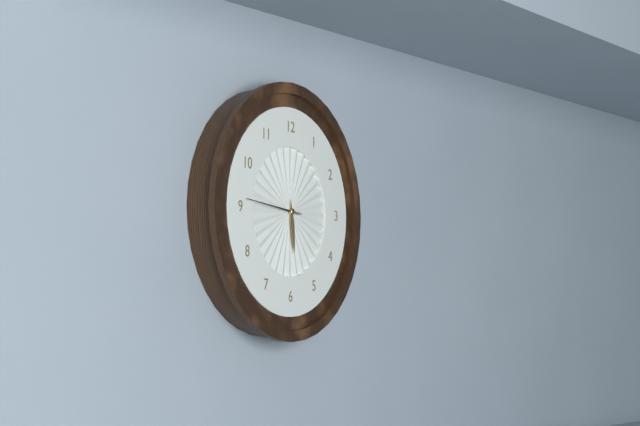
**5:46**
